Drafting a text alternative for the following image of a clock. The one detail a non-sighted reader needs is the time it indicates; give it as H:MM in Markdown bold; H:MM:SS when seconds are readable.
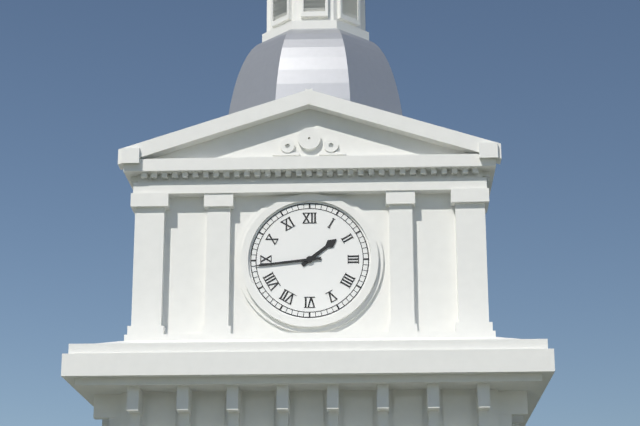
**1:44**
